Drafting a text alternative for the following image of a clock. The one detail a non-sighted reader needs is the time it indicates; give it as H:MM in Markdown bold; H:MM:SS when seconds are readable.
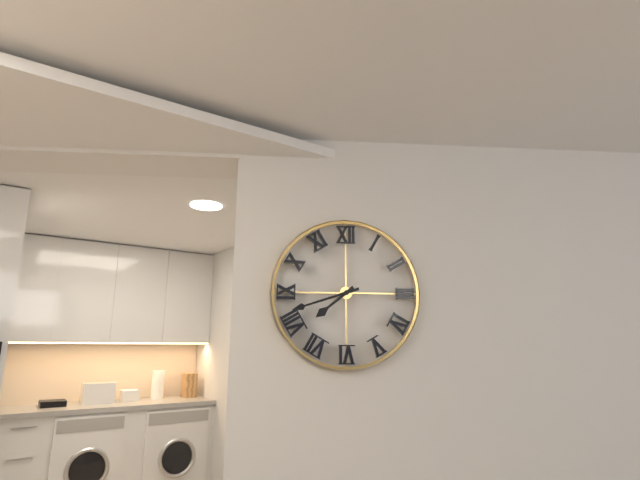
**7:42**
